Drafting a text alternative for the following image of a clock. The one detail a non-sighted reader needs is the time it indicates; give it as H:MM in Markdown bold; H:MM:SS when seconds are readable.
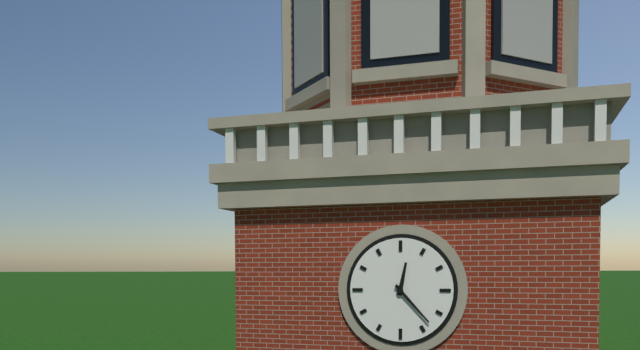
**12:23**
